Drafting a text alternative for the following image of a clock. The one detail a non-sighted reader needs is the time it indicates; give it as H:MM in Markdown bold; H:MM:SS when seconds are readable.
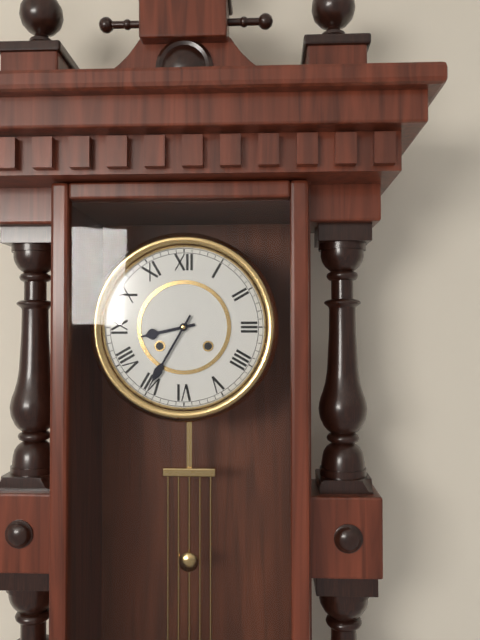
**8:35**
